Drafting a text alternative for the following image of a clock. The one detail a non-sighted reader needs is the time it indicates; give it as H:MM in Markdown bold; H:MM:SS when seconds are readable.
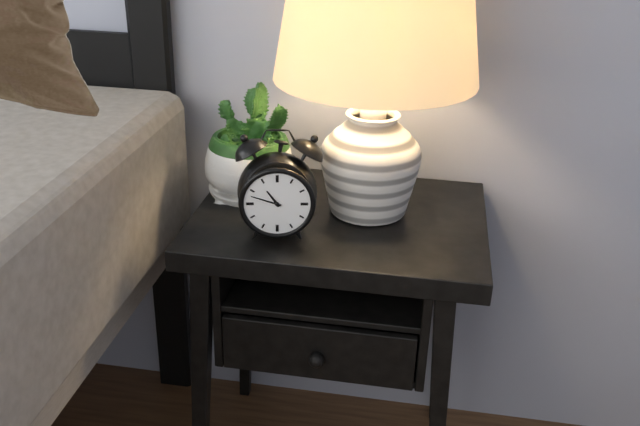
**10:48**
